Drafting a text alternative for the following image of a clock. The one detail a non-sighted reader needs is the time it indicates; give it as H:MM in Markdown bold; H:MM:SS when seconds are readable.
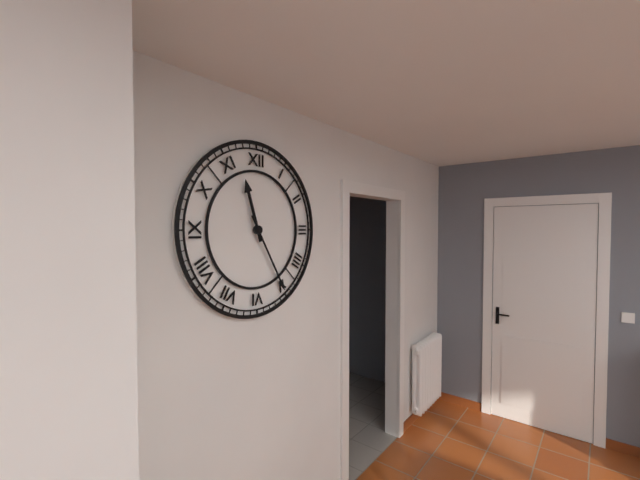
**11:25**
